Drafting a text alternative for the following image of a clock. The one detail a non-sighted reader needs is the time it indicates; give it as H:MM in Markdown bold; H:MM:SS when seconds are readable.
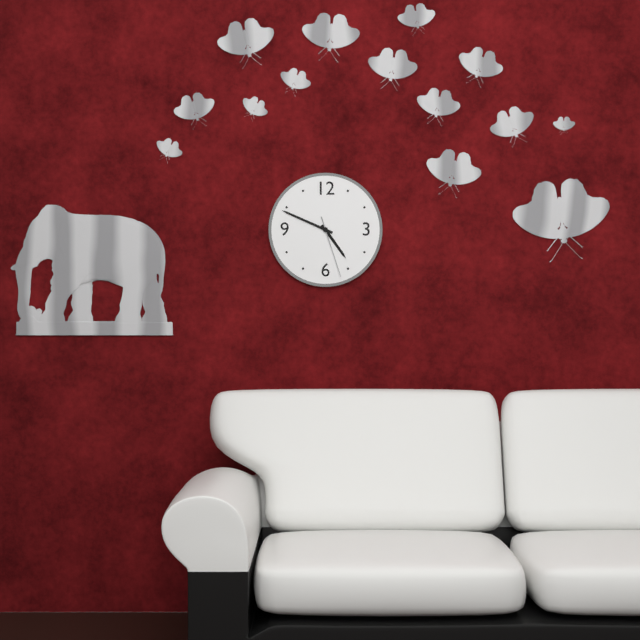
**4:49:27**
